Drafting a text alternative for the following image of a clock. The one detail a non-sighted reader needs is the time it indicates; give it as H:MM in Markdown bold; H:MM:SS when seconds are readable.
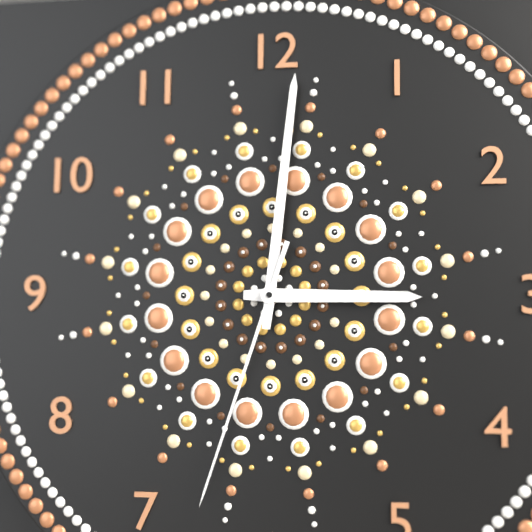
**3:01:33**
